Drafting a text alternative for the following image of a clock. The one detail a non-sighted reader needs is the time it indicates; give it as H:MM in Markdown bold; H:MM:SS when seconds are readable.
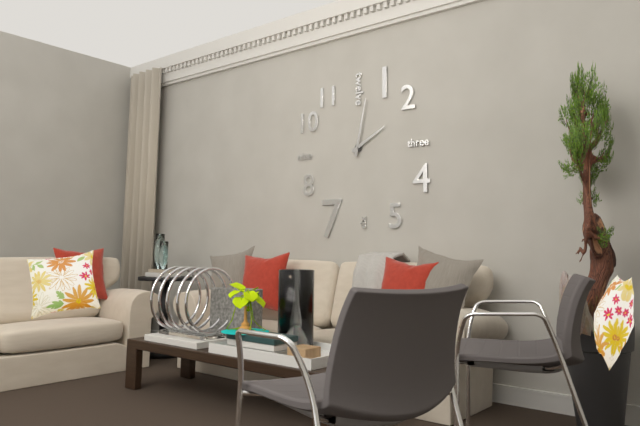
**2:02**
